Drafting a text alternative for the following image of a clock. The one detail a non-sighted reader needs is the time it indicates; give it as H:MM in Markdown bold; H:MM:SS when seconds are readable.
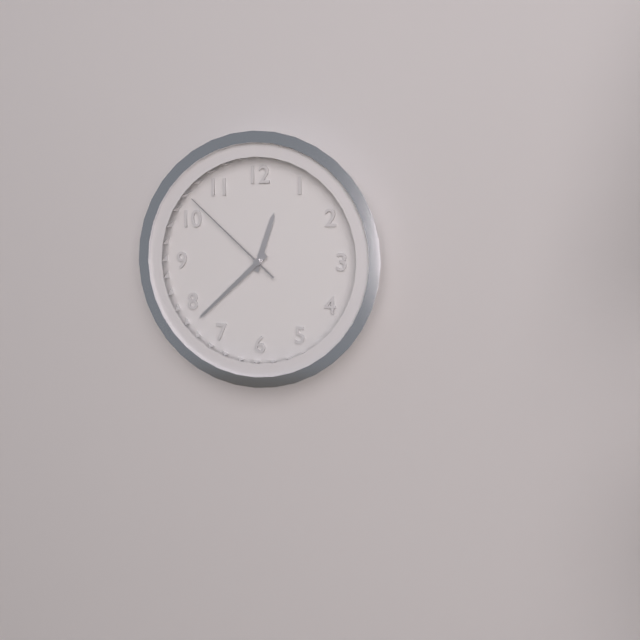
**12:38:52**
